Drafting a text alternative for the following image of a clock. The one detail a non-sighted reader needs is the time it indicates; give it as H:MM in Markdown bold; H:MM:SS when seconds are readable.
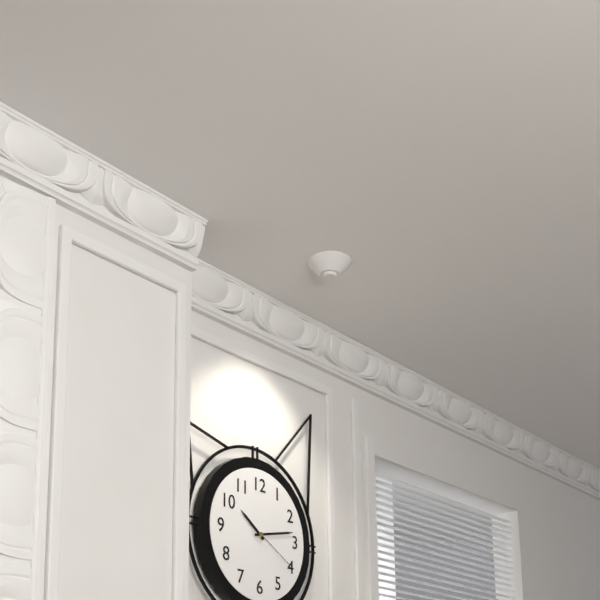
**10:13:20**
